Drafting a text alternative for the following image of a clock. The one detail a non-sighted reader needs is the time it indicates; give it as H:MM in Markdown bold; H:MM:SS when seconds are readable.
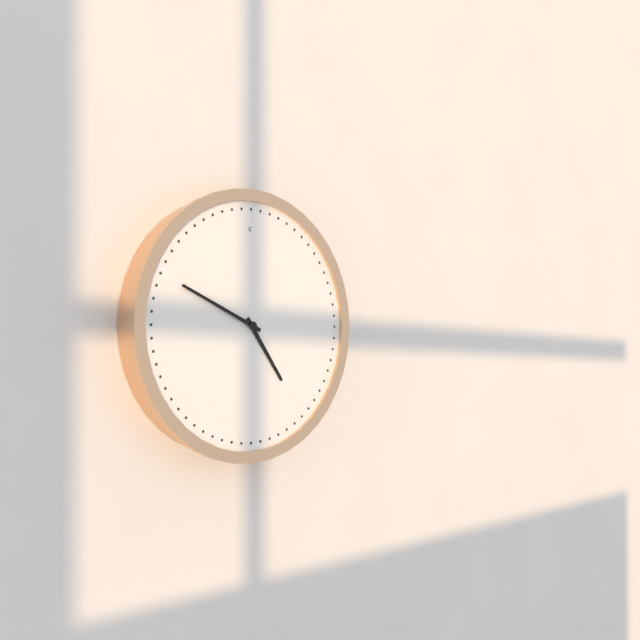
**4:49**
